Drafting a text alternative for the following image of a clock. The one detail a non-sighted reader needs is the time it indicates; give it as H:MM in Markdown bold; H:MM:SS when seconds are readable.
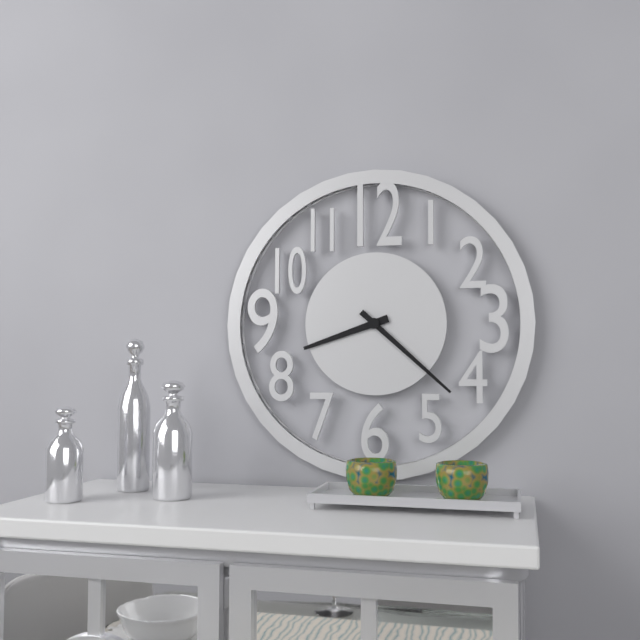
**8:22**
